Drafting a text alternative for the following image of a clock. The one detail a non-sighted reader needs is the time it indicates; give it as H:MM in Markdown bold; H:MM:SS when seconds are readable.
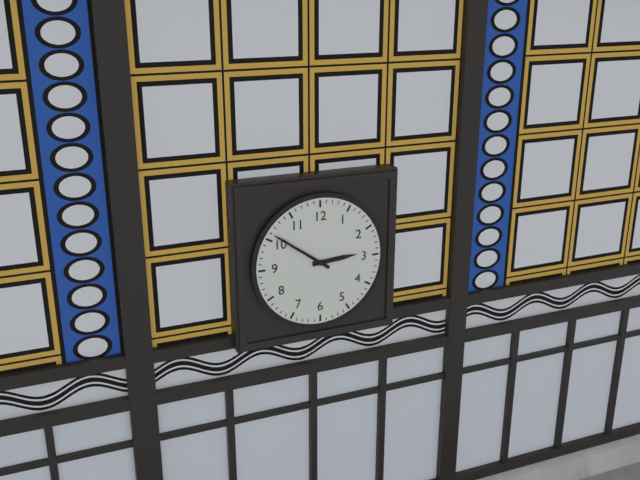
**2:51**
